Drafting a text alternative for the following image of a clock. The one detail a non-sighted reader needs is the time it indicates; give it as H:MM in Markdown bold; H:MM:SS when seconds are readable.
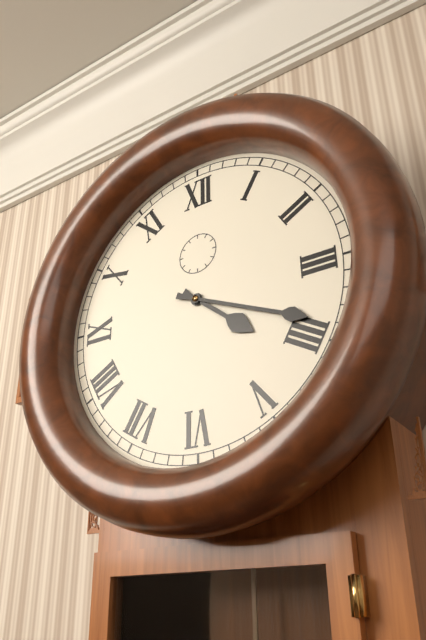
**4:19**
